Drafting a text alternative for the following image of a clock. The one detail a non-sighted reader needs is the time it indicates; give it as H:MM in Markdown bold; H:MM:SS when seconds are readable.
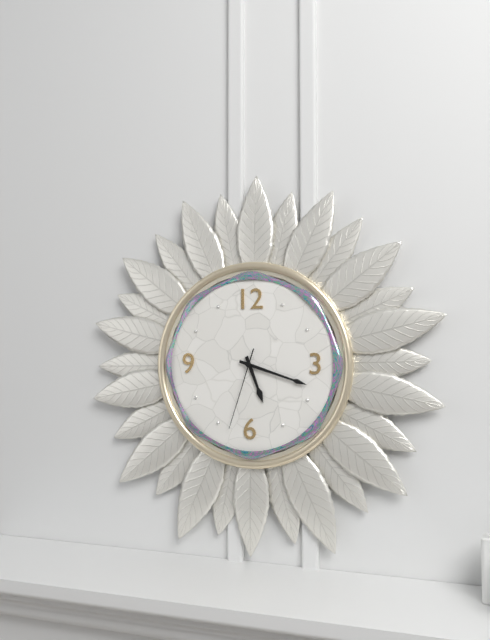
**5:18:33**
